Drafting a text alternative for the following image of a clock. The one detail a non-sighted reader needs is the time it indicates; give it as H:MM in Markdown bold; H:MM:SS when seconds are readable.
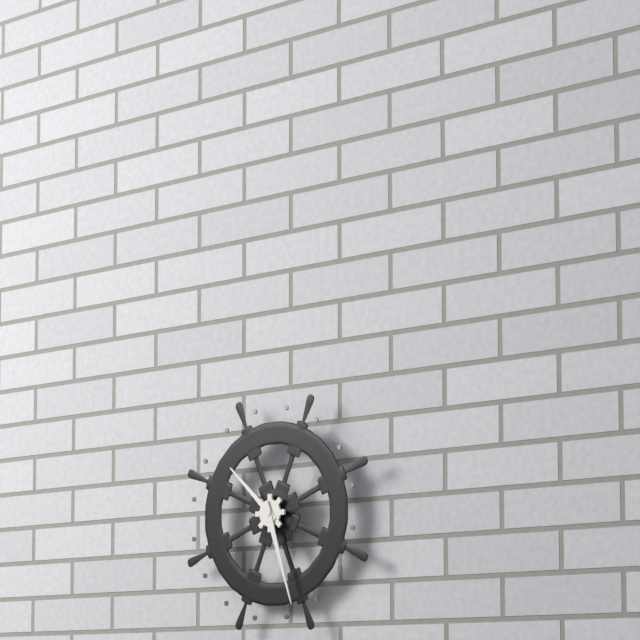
**10:27**
